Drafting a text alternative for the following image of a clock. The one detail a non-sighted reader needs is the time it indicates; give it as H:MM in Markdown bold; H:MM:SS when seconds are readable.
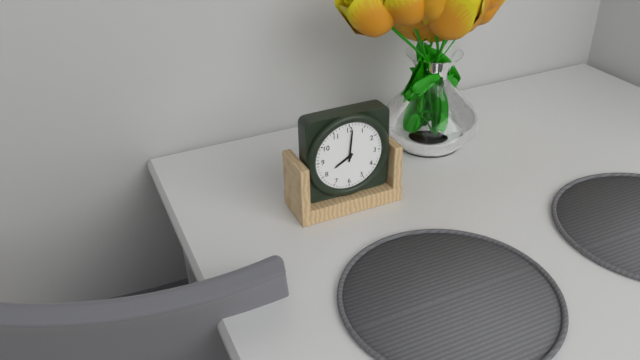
**8:01**
